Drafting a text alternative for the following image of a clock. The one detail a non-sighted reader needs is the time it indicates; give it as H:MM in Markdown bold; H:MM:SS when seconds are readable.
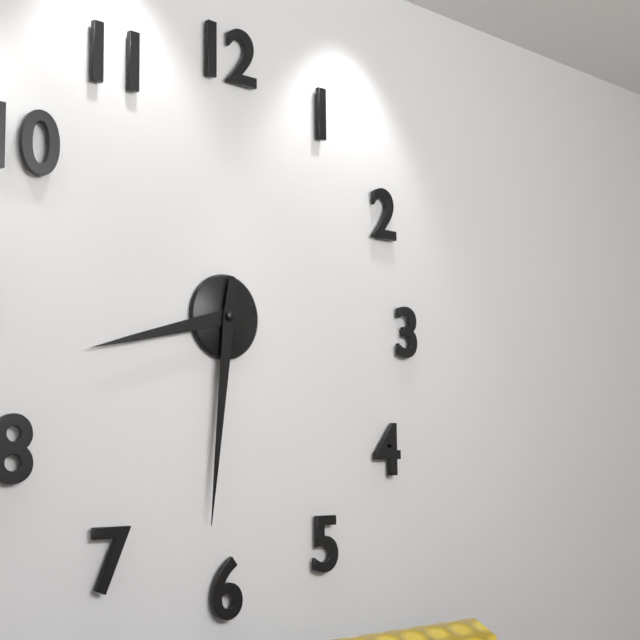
**8:31**
